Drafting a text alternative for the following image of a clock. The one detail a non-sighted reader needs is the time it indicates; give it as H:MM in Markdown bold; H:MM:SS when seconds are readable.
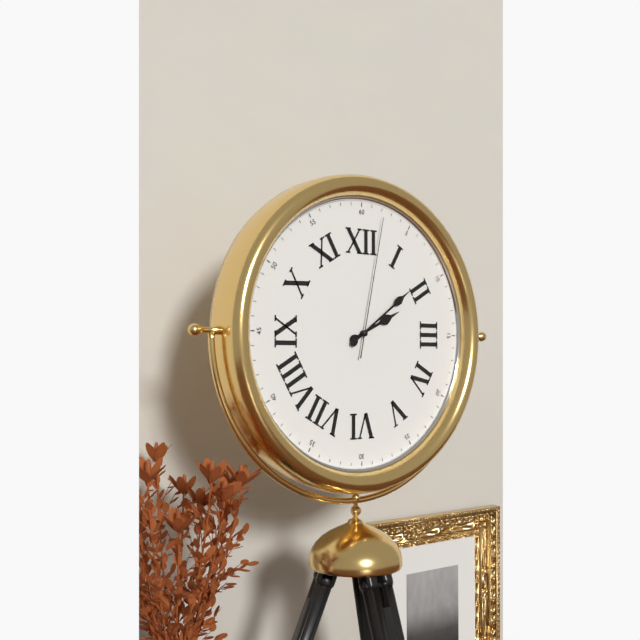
**2:09:02**
